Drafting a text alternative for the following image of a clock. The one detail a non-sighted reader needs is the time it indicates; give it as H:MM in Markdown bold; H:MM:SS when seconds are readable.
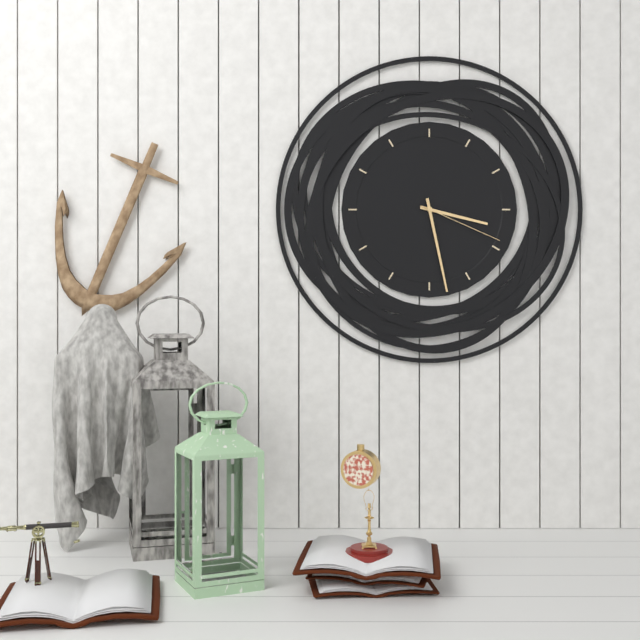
**3:28:19**
